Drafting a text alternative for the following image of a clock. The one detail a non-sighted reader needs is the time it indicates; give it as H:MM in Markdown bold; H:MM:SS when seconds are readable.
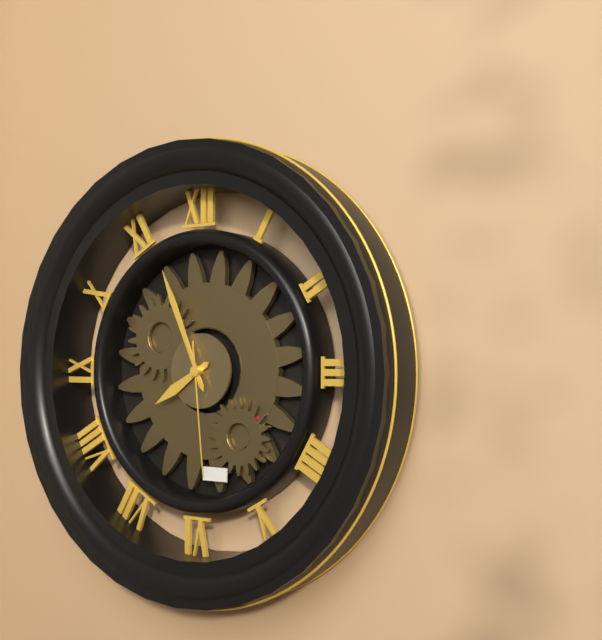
**7:56:29**
